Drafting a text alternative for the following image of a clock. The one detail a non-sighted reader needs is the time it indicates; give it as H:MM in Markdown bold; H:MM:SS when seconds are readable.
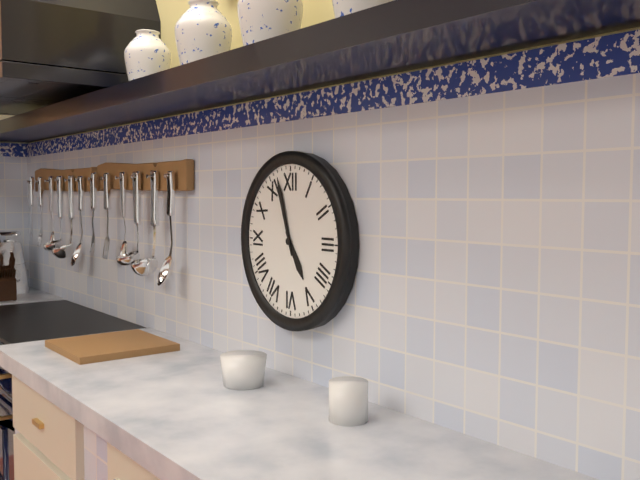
**4:57**
